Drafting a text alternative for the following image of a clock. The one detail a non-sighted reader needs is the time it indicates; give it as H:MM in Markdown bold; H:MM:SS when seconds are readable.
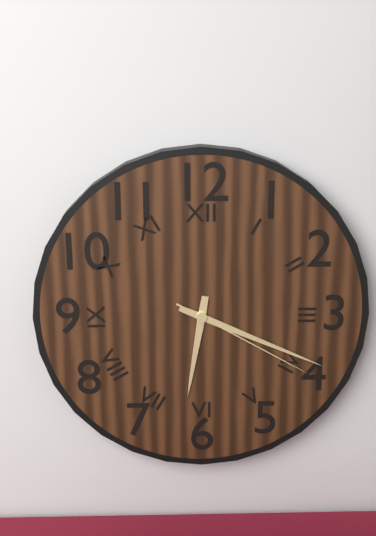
**6:19:20**
